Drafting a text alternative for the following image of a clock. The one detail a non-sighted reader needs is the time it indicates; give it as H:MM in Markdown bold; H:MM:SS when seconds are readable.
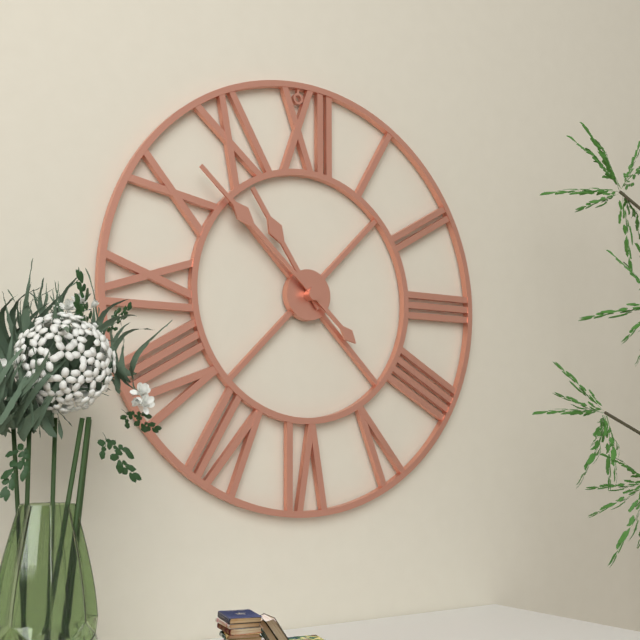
**10:52**
